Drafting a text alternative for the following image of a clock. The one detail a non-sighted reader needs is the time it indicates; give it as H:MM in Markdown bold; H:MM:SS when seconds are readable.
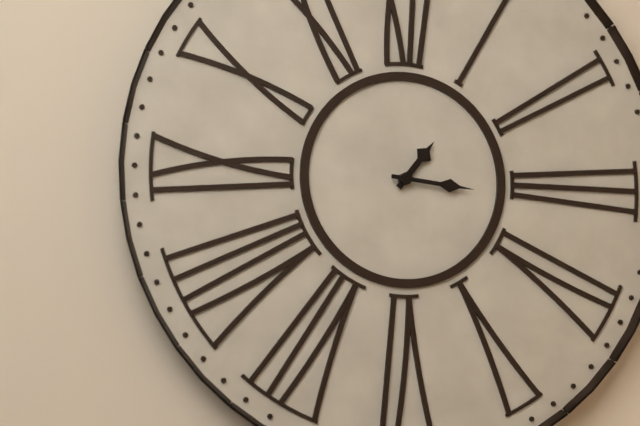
**1:16**
